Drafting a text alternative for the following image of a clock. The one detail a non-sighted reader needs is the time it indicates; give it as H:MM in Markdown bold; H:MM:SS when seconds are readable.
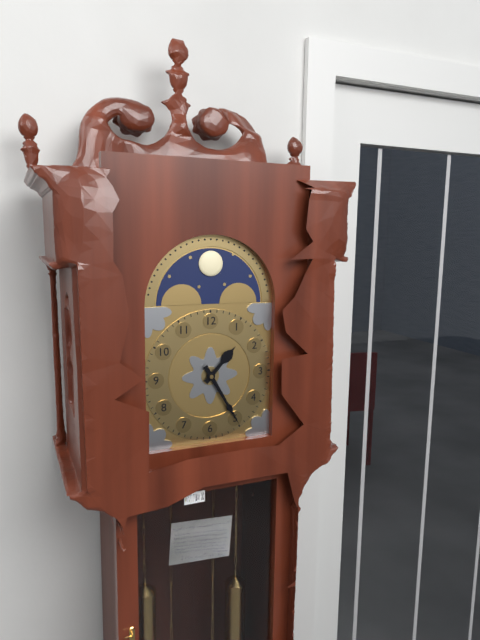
**1:25**
